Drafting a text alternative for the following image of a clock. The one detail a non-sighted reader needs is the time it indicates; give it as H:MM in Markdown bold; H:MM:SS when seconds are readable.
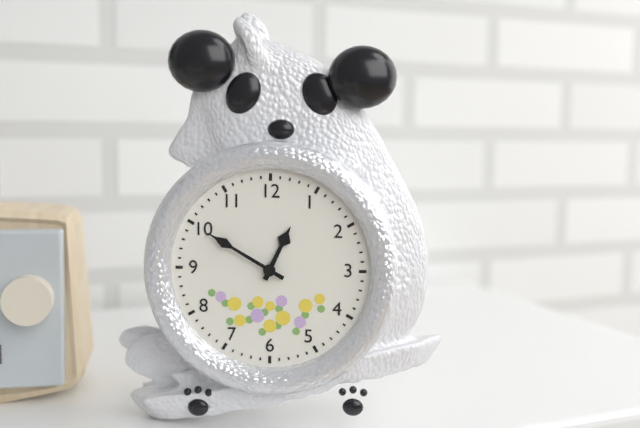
**12:50**
